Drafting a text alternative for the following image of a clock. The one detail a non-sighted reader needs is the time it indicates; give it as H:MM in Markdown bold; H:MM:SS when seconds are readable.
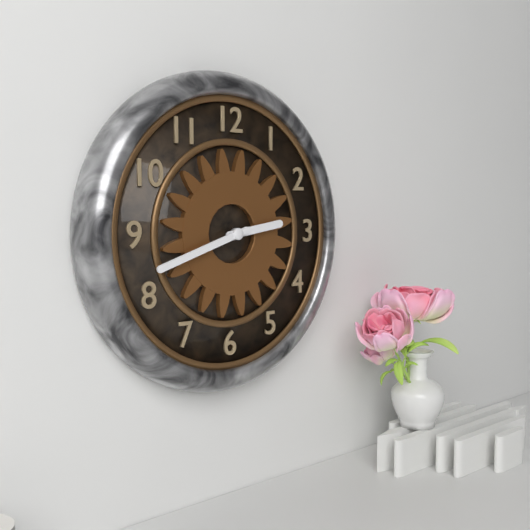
**2:42**
